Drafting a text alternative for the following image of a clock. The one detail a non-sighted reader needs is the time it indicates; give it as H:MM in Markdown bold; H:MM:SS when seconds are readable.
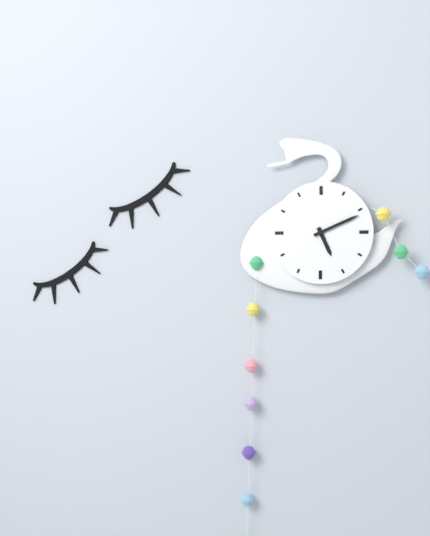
**5:11**
